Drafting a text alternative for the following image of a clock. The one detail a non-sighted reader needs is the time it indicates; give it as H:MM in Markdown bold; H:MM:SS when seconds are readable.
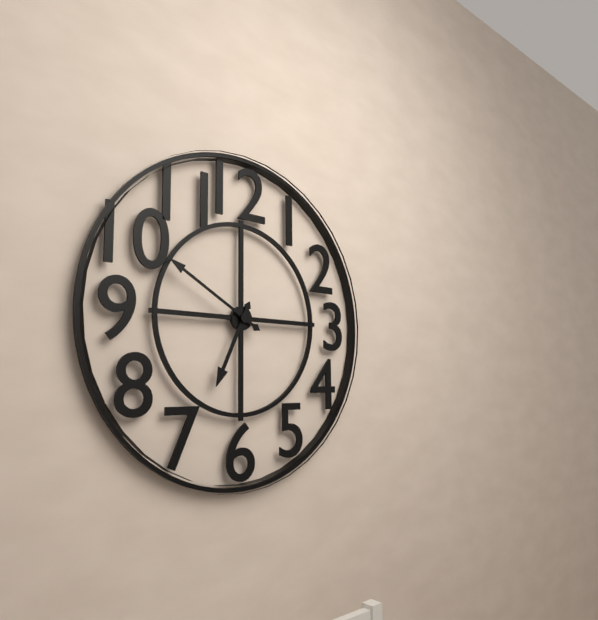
**6:50**
